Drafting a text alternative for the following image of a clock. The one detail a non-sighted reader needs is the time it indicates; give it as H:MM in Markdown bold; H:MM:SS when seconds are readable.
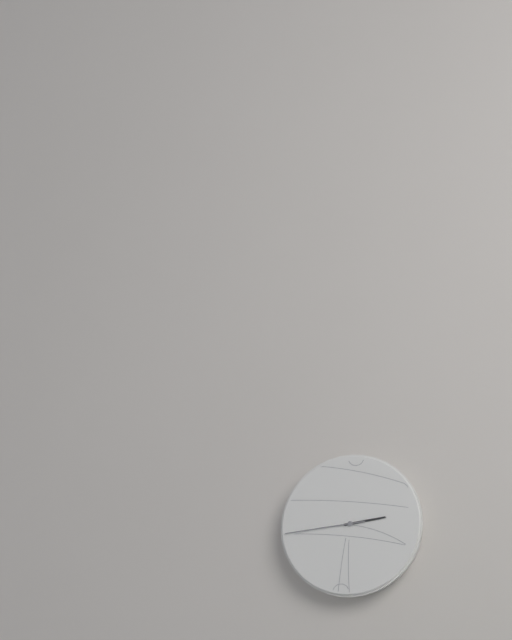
**2:44**
